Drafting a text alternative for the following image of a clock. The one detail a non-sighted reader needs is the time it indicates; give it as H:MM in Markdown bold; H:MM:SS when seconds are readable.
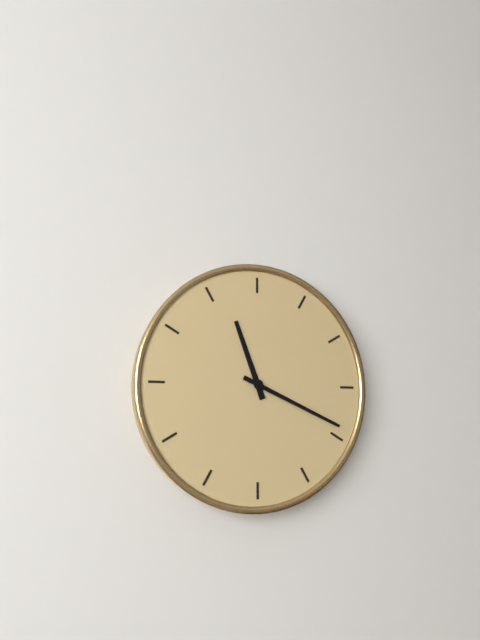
**11:19**
